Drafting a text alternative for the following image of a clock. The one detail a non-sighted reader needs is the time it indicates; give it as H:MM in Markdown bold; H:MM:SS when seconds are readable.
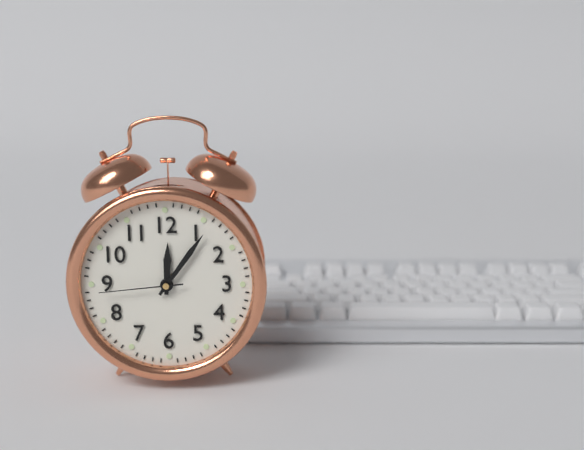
**12:06:44**
